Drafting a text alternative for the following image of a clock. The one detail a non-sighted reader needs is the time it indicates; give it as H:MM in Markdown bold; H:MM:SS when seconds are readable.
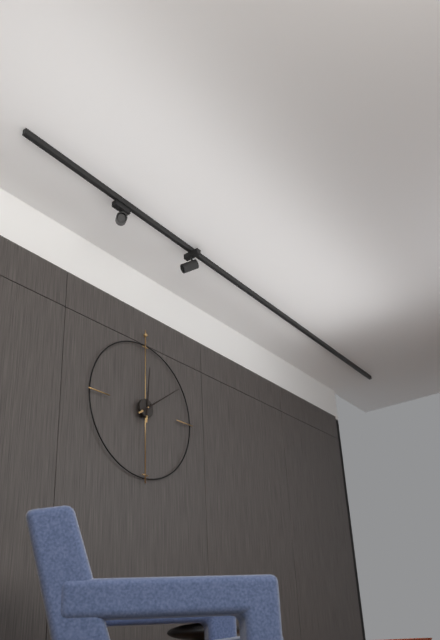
**12:09**
